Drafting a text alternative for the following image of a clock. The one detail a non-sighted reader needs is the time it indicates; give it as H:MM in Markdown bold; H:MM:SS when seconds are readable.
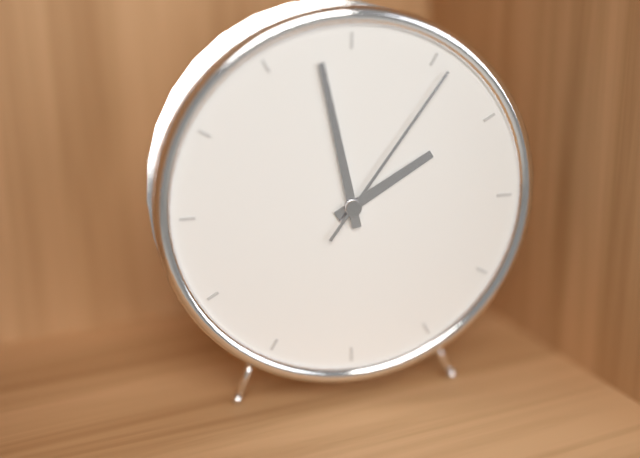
**1:58:06**
